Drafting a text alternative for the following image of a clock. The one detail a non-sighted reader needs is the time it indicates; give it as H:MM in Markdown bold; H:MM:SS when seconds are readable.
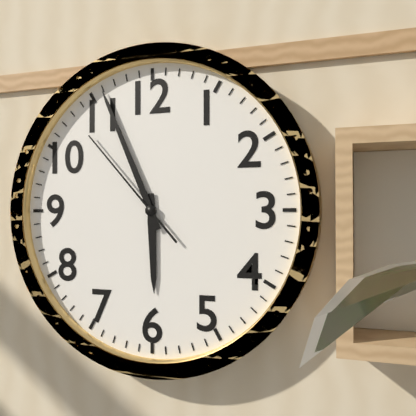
**5:56:53**
